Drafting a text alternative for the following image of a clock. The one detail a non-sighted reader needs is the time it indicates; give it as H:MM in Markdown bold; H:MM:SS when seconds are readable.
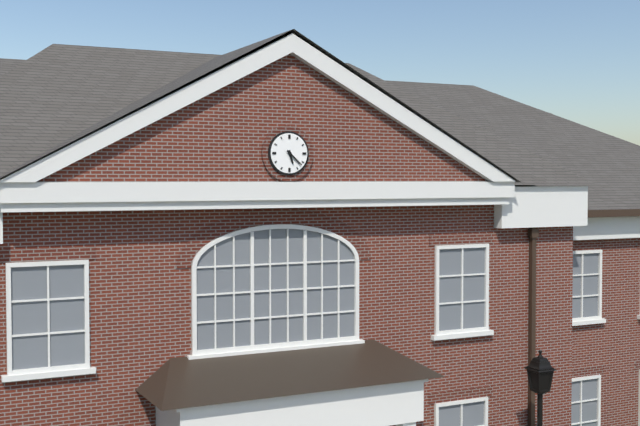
**5:22**
